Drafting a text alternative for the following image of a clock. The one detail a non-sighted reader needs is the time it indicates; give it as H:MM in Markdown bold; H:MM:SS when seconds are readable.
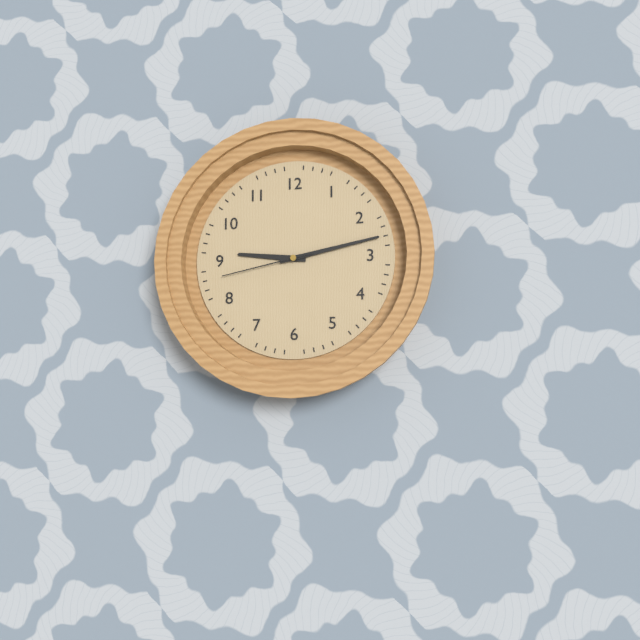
**9:13:43**
